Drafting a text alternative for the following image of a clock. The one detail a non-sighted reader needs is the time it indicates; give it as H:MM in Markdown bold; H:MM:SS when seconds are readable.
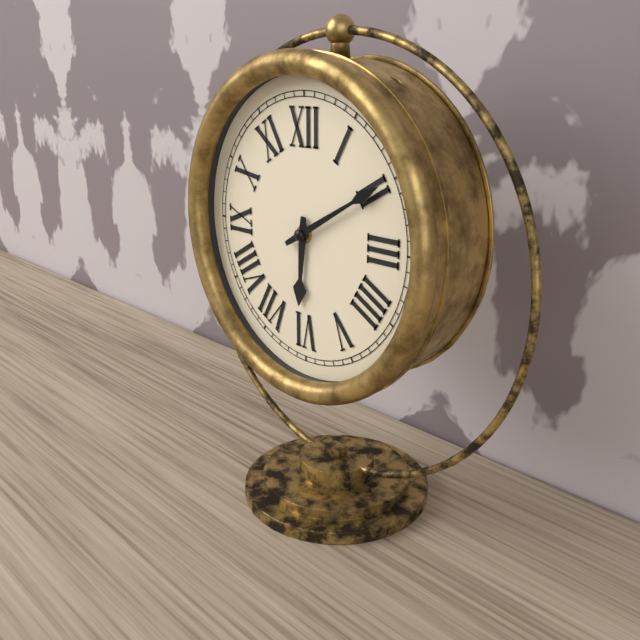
**6:10**
